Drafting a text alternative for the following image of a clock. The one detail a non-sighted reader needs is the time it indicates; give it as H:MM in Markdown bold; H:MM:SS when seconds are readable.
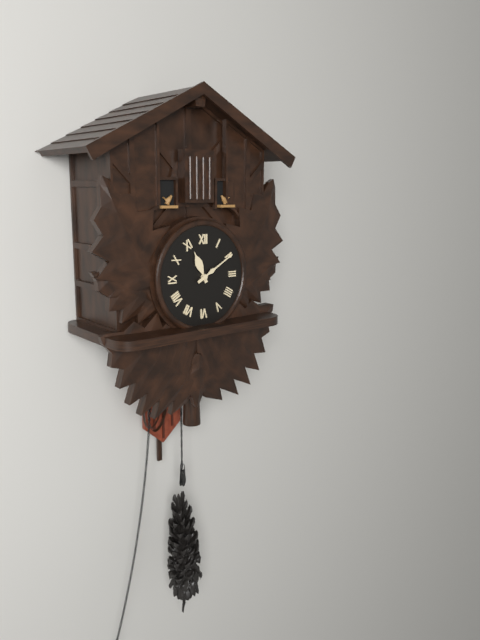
**11:10**
